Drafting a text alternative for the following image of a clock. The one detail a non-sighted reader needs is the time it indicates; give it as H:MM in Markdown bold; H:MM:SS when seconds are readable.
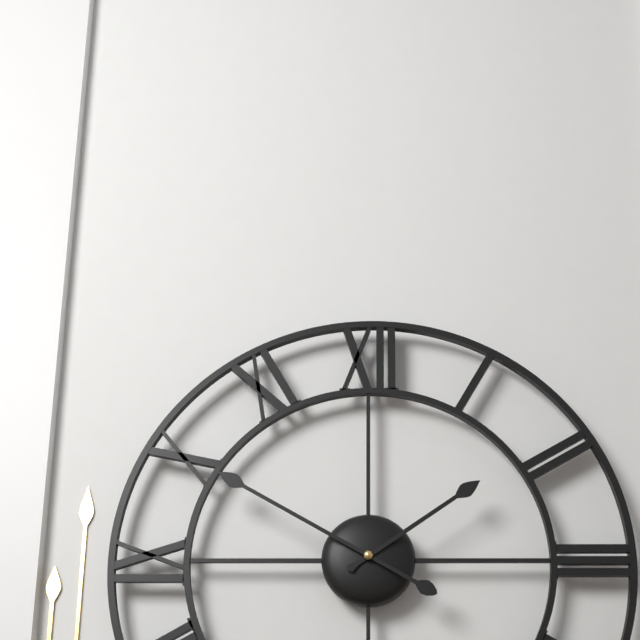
**1:50**
